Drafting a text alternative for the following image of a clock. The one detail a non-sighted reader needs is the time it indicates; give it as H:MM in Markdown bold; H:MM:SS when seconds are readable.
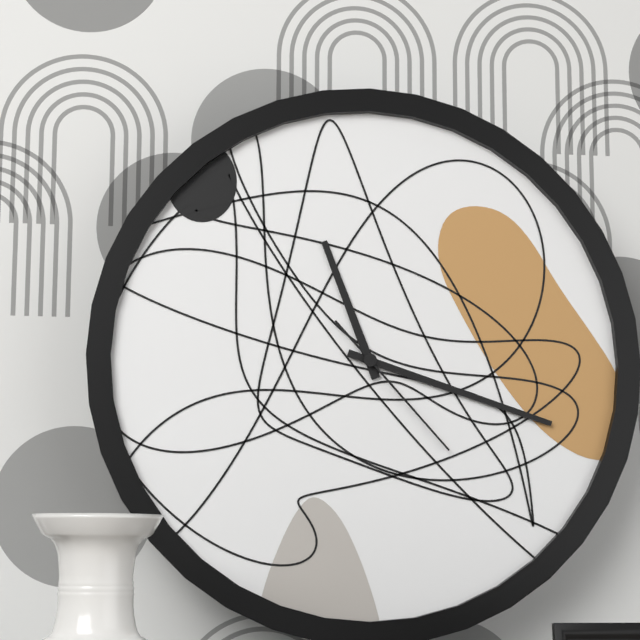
**11:18:23**
